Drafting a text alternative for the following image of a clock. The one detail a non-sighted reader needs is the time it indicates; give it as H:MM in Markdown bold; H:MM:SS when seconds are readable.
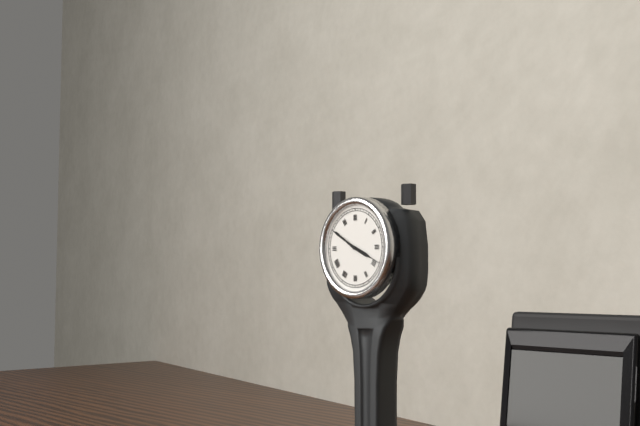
**3:50**
